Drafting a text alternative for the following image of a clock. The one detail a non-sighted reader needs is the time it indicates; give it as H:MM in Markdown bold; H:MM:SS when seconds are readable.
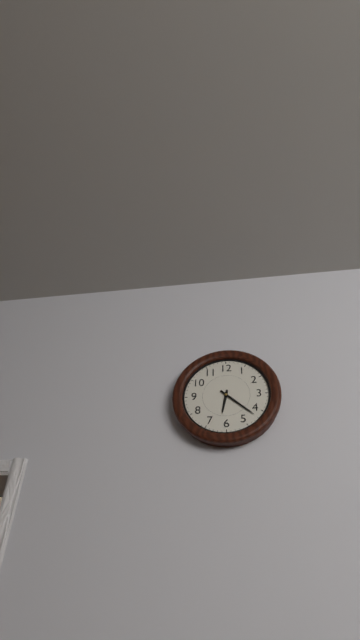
**6:22**
